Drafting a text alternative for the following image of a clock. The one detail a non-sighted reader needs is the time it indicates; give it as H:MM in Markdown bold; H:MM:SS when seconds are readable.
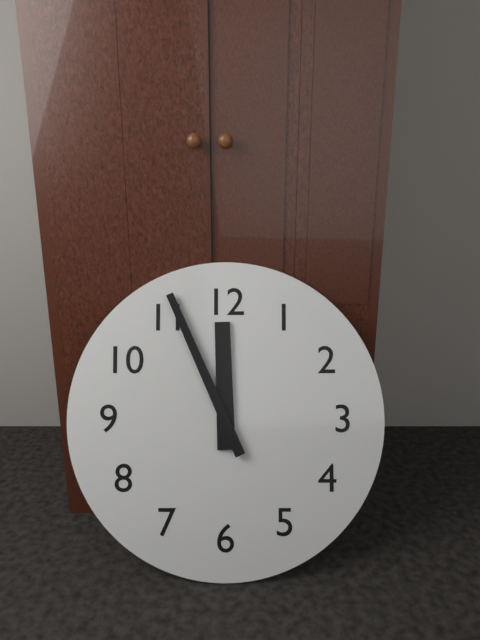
**11:56**
